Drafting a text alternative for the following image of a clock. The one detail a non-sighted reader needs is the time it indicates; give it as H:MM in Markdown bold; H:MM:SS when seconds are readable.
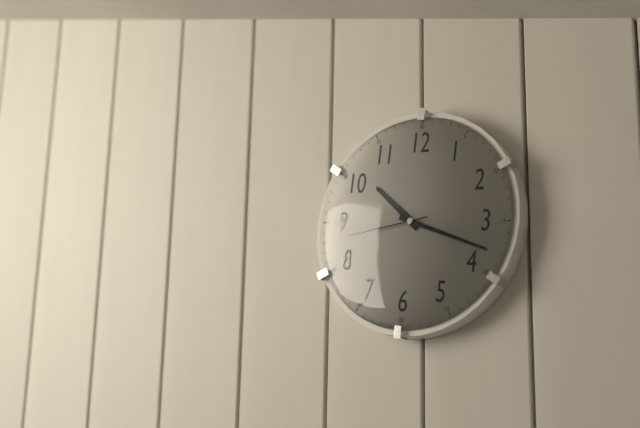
**10:18:43**
